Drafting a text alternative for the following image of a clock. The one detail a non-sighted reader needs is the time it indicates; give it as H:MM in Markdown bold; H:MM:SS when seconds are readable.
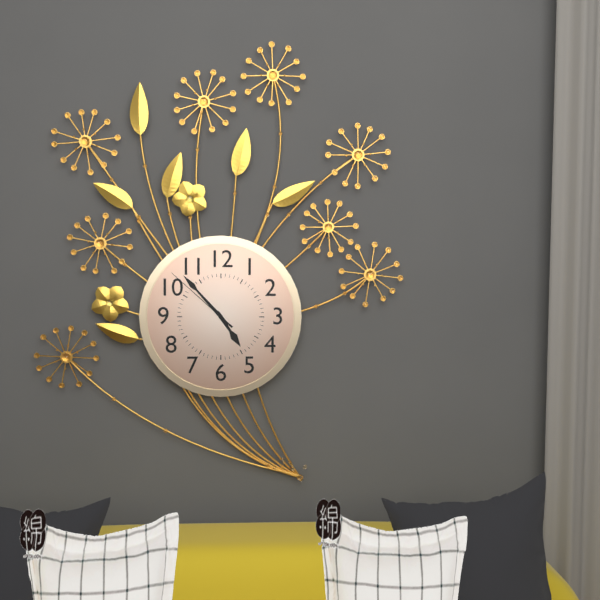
**4:53:52**
